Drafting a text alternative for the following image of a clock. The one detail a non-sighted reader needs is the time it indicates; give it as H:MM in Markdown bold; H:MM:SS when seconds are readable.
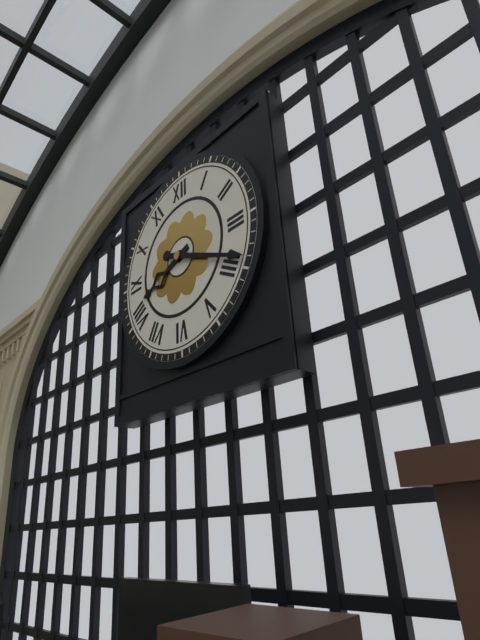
**8:19**
